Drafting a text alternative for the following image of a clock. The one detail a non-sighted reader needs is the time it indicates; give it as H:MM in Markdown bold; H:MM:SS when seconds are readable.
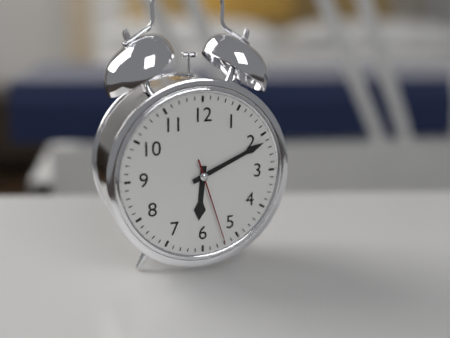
**6:11:27**
